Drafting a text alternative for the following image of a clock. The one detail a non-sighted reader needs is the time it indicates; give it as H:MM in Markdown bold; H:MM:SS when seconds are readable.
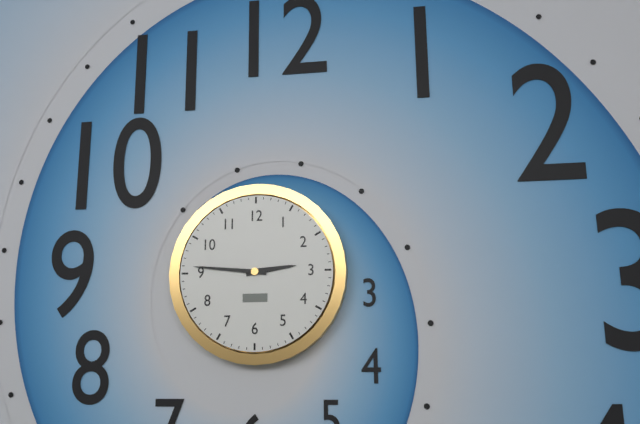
**2:46**
